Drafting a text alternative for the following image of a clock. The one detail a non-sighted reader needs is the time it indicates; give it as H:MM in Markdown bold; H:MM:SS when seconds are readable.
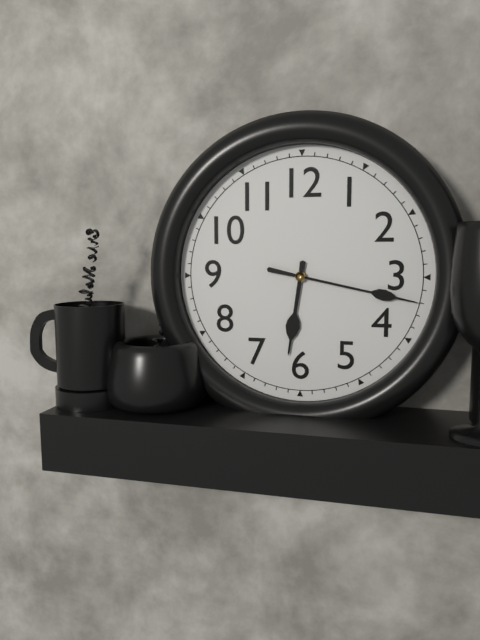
**6:17**
